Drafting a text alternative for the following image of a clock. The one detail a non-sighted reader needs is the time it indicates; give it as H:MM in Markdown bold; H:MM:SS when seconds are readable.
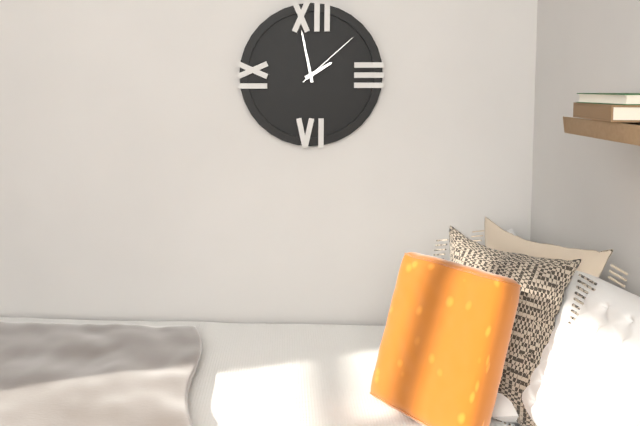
**1:58:08**
